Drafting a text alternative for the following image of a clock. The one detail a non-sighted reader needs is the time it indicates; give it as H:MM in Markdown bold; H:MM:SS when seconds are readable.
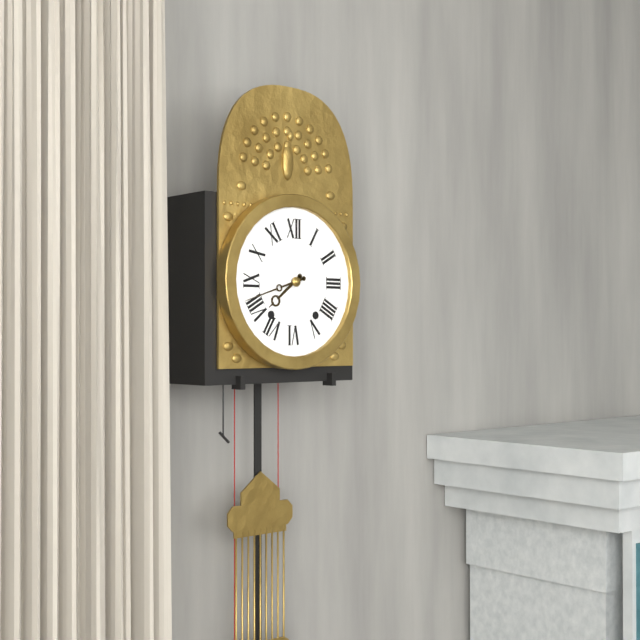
**7:42**
